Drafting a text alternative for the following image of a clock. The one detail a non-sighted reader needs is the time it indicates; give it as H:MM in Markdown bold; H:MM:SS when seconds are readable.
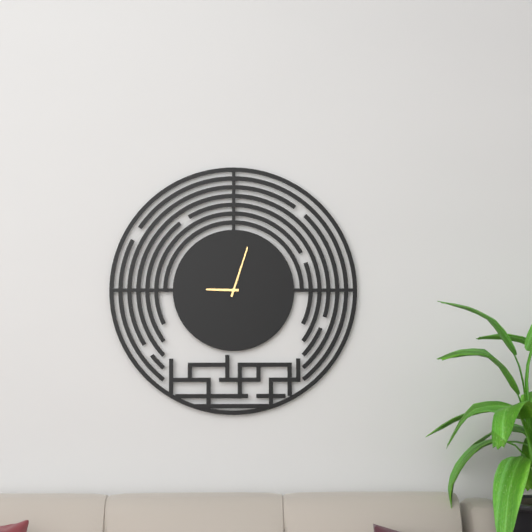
**9:03**
